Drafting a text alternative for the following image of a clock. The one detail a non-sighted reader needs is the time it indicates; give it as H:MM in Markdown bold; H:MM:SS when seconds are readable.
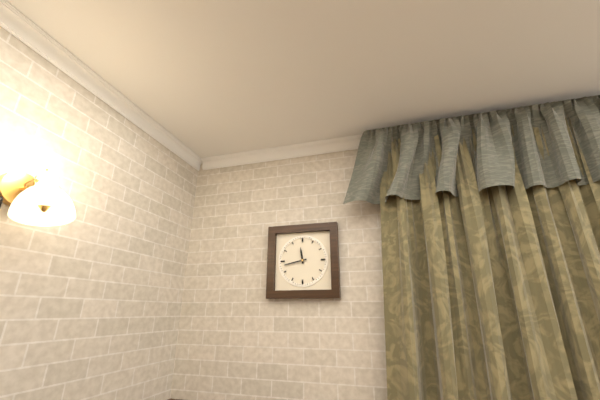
**11:43**
